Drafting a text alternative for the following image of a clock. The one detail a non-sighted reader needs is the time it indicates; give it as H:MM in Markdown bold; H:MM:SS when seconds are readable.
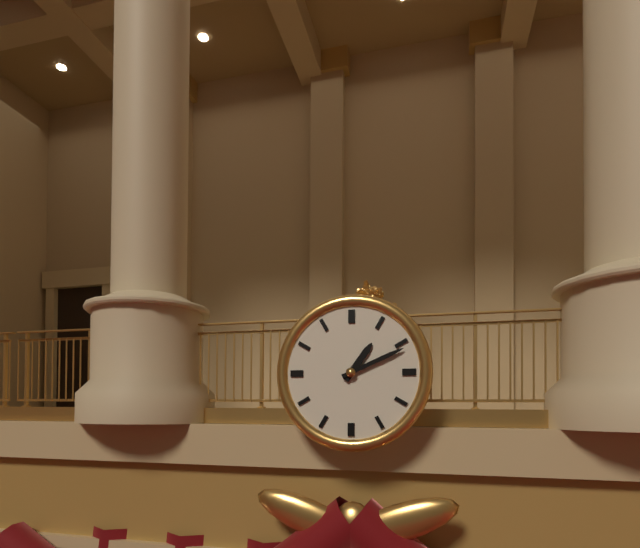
**1:11**
